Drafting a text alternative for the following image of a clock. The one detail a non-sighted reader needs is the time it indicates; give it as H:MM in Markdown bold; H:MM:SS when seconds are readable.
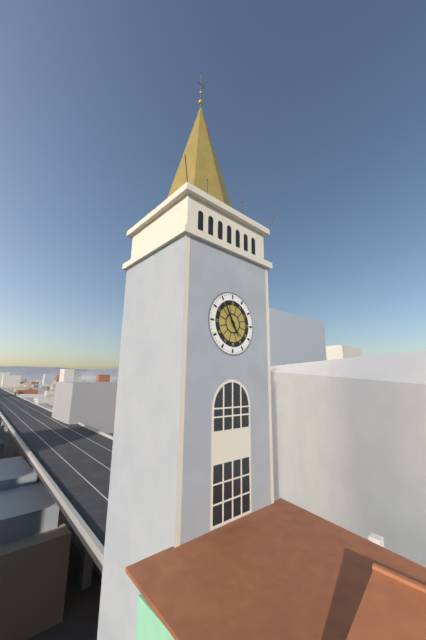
**4:55**
